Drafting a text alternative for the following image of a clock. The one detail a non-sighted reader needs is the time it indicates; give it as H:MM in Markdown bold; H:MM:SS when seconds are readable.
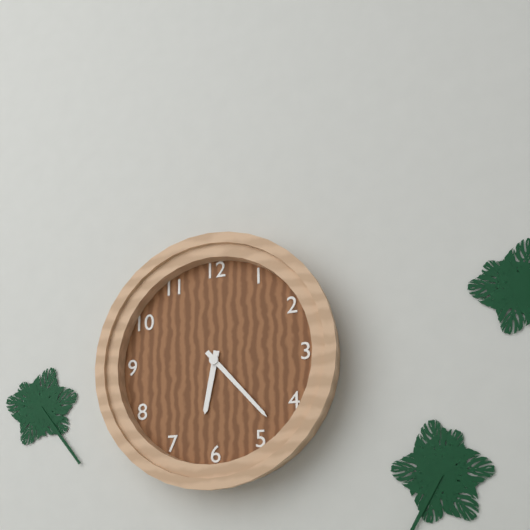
**6:23**
